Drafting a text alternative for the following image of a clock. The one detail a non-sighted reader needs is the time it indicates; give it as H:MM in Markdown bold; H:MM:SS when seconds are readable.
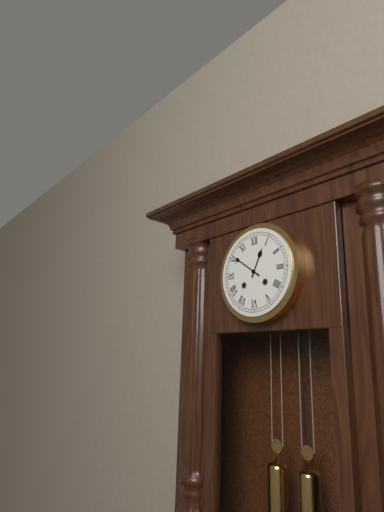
**12:51**
